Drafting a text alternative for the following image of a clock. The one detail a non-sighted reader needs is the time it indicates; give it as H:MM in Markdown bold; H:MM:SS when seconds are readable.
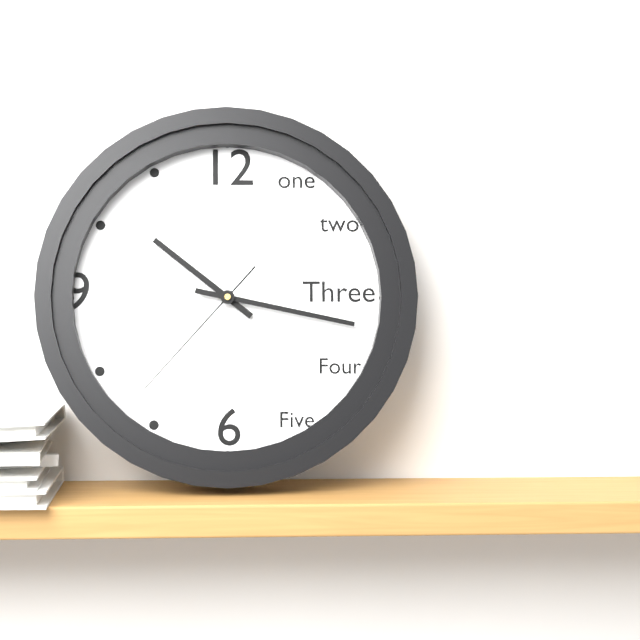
**10:17:37**
